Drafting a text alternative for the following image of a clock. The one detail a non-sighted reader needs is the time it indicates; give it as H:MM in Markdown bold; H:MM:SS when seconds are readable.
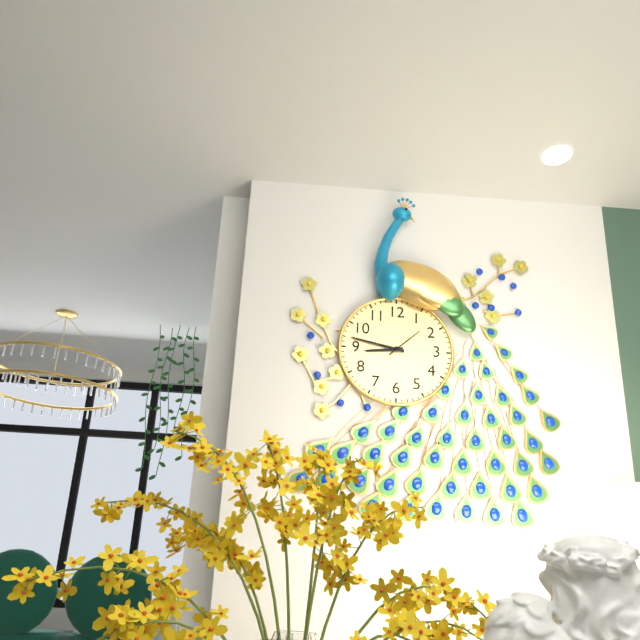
**8:47**
